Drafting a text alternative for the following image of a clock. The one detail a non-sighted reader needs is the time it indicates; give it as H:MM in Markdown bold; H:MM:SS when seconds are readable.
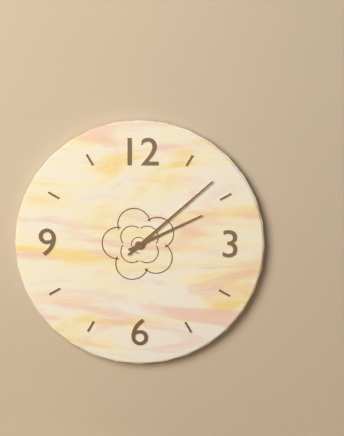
**2:08**
